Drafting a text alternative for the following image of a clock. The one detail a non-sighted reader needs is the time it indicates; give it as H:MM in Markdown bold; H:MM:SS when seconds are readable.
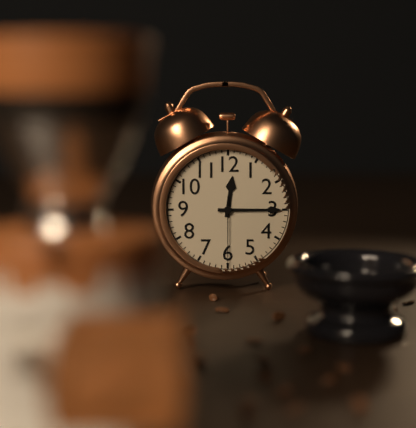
**12:15:30**
